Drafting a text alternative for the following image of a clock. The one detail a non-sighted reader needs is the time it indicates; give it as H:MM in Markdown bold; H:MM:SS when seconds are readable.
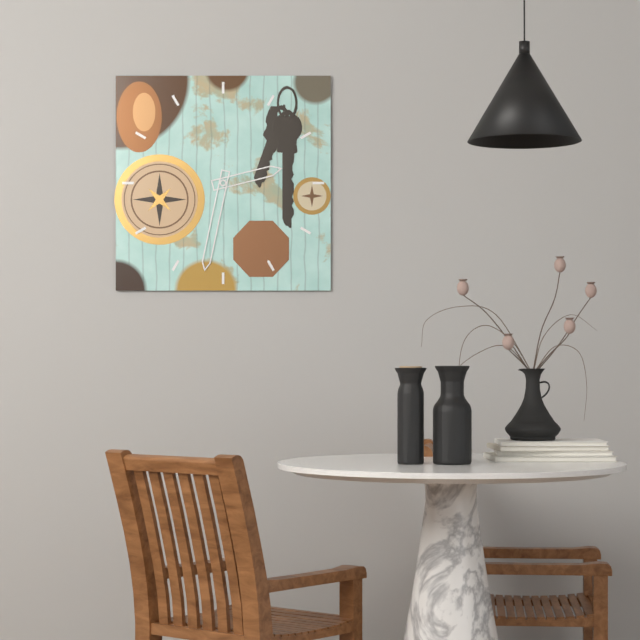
**2:32**
